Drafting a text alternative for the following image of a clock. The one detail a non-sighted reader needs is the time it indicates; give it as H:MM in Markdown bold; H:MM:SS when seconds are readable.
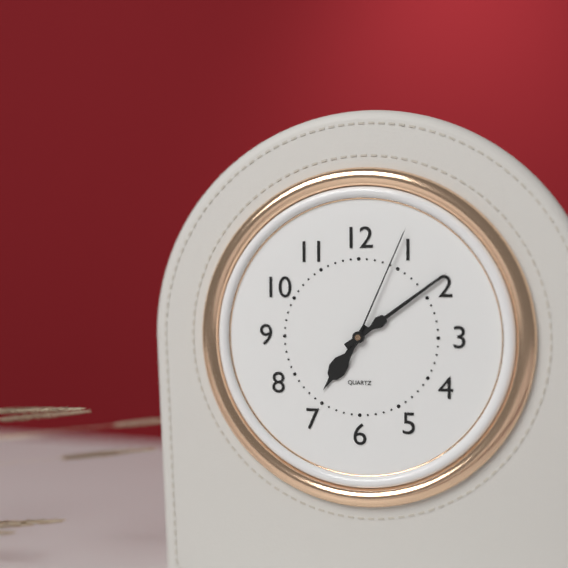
**7:09:04**
